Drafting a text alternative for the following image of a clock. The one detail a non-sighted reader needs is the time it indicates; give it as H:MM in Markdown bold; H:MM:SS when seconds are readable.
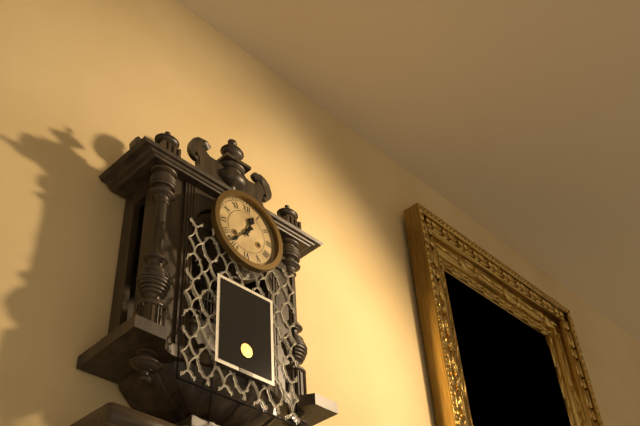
**12:37**
